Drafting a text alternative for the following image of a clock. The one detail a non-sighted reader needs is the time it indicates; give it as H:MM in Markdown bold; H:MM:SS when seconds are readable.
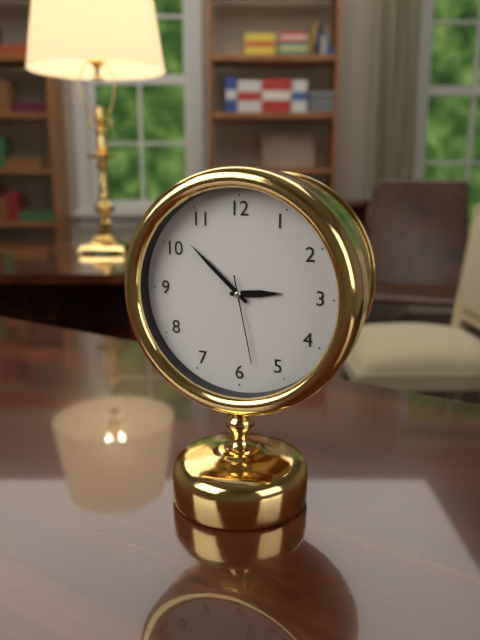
**2:52:28**
